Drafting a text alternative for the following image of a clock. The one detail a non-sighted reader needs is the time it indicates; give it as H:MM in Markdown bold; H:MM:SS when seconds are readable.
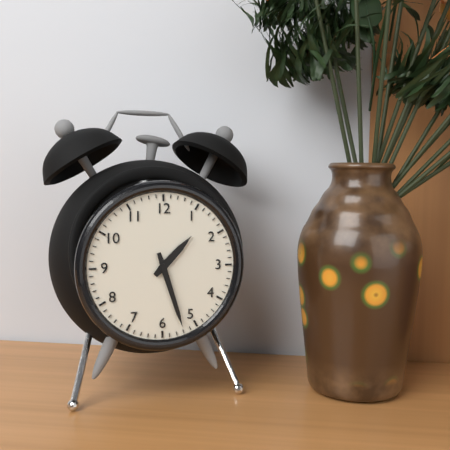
**1:27**
